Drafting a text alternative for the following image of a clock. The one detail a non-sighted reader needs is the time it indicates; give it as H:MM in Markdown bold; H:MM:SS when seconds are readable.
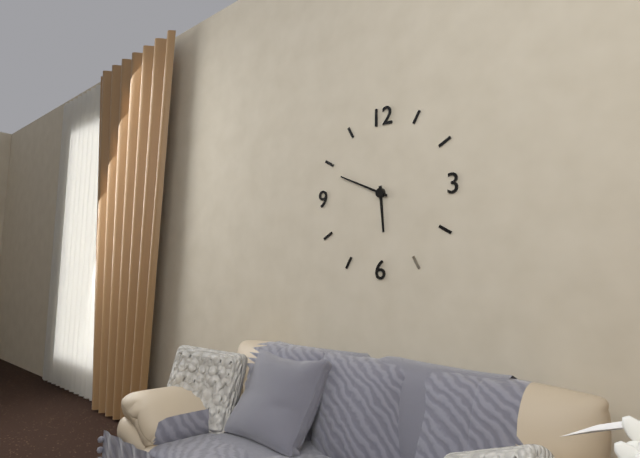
**5:49**
